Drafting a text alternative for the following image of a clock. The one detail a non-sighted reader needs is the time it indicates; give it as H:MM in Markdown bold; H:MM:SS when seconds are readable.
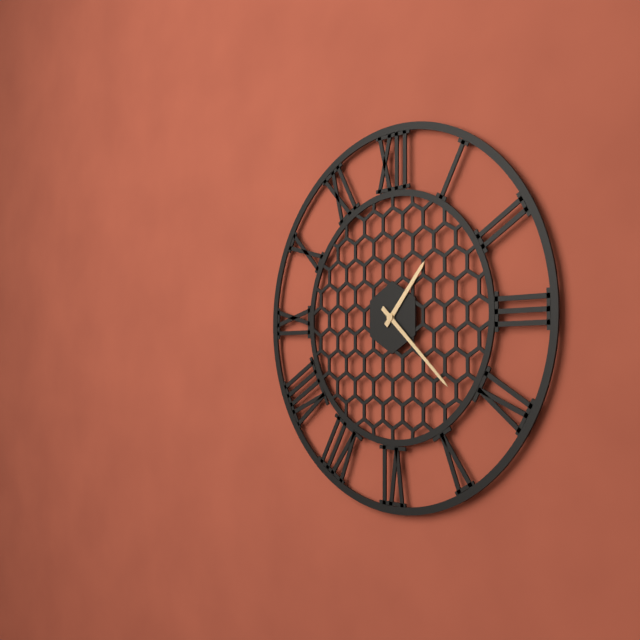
**1:22**
